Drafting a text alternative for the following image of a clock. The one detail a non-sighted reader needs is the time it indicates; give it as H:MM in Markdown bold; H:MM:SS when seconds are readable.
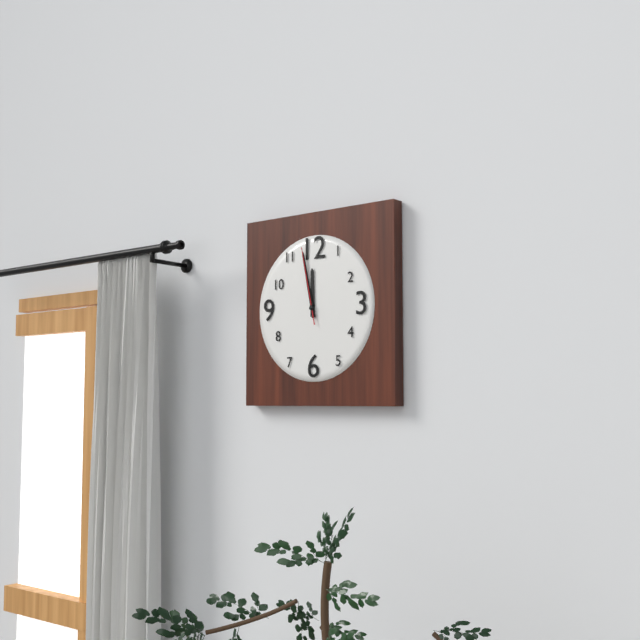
**11:58:58**
